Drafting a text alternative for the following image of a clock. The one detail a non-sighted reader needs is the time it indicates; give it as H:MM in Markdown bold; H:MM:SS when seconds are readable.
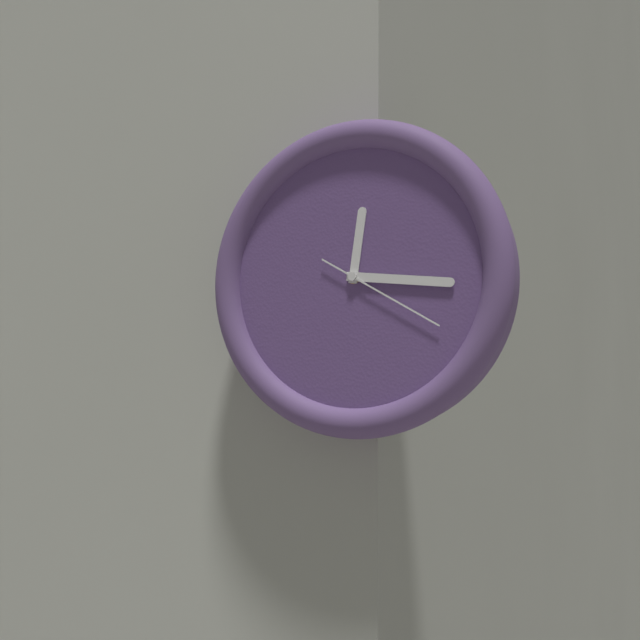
**12:16:20**
